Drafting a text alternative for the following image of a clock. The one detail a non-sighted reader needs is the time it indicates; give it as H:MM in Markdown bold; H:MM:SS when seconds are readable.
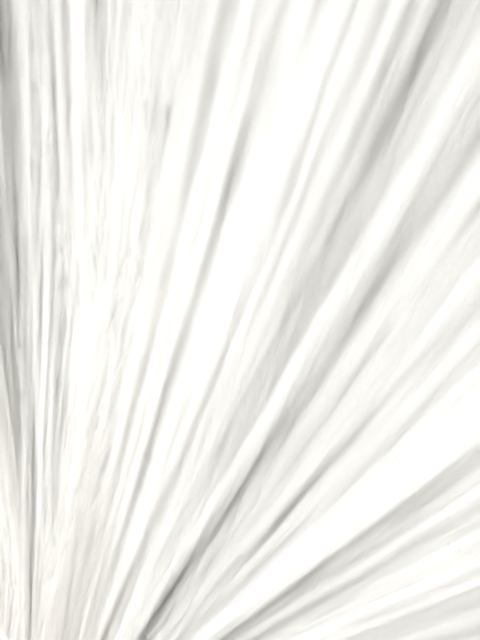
**11:34**
